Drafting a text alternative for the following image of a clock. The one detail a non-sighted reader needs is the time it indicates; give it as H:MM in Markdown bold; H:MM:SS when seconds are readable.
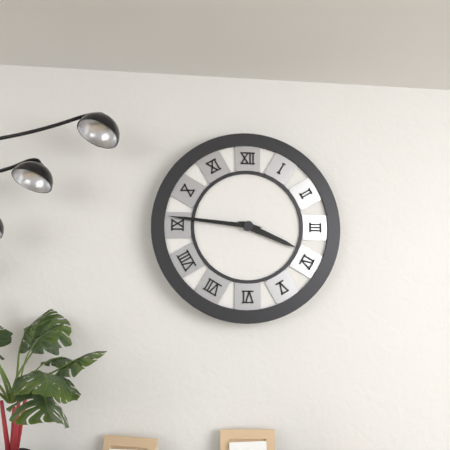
**3:46**
